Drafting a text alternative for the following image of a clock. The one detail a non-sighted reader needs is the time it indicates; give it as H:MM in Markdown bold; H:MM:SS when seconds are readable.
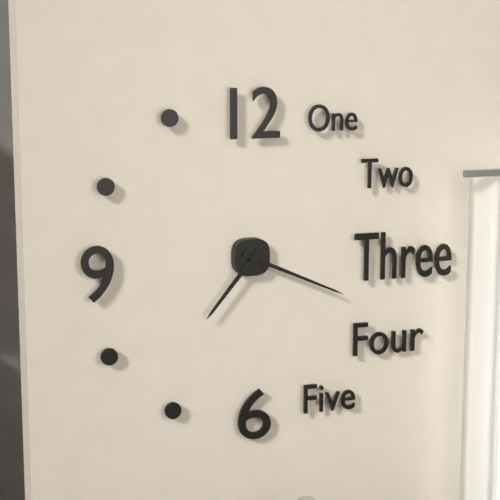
**7:19**
